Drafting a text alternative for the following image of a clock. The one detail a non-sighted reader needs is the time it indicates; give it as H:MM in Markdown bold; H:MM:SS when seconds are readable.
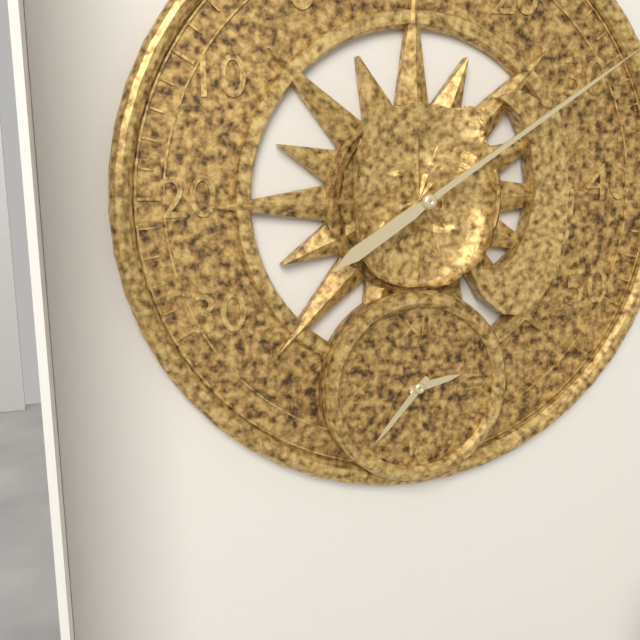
**2:37**
